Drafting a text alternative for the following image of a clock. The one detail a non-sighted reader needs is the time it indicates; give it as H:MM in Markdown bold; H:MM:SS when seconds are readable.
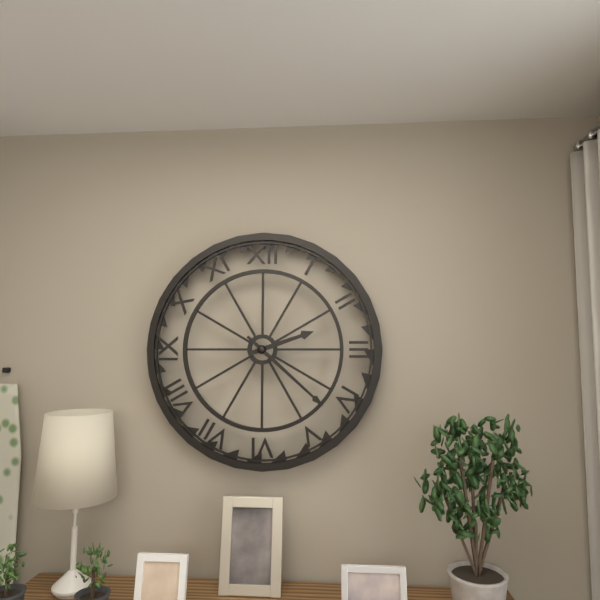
**2:22**
